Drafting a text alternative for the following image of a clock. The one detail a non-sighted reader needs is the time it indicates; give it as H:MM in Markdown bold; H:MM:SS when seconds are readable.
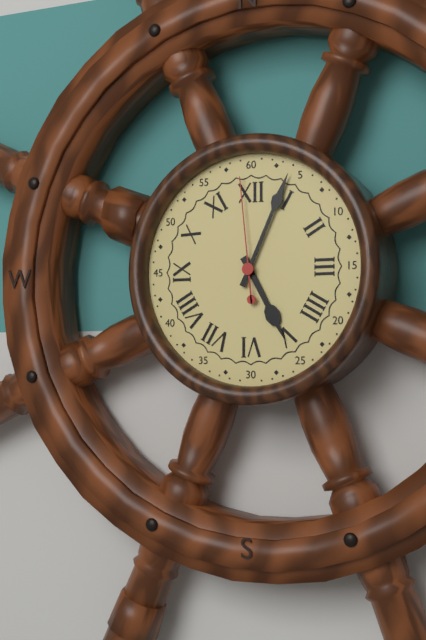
**5:04:59**
